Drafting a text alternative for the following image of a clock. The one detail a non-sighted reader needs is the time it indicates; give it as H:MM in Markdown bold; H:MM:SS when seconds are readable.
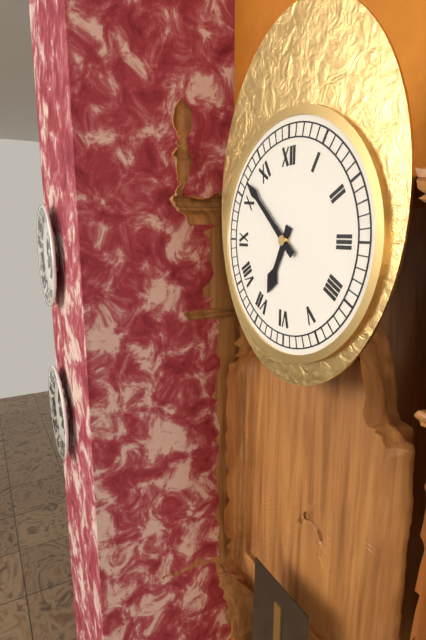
**6:52**
